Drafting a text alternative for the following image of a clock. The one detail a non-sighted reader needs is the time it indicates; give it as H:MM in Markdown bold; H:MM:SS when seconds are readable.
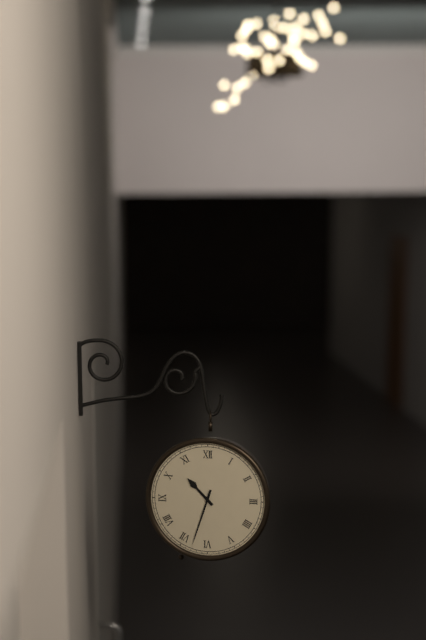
**10:33**
